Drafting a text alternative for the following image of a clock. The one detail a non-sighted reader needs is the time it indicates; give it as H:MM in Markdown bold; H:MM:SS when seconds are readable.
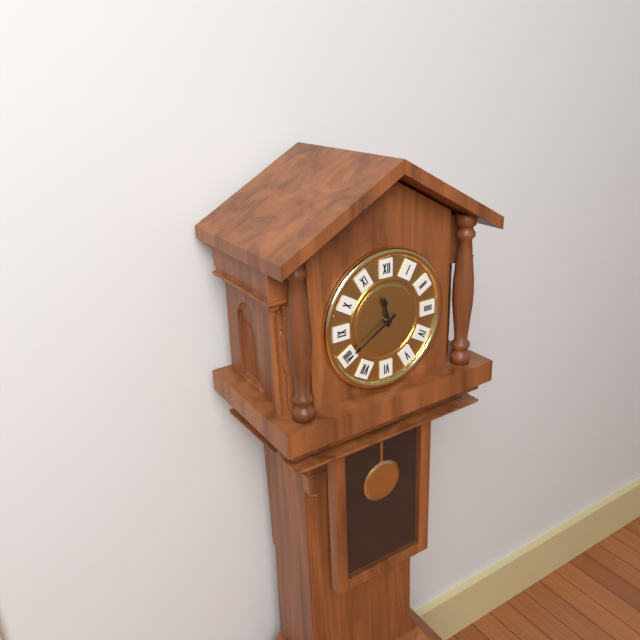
**11:40**
